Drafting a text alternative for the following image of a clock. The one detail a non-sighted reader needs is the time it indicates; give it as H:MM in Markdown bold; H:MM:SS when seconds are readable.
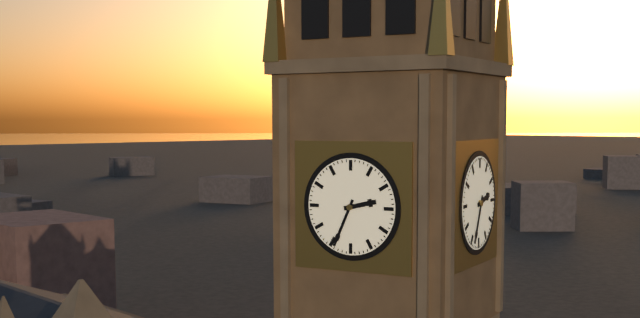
**2:34**
